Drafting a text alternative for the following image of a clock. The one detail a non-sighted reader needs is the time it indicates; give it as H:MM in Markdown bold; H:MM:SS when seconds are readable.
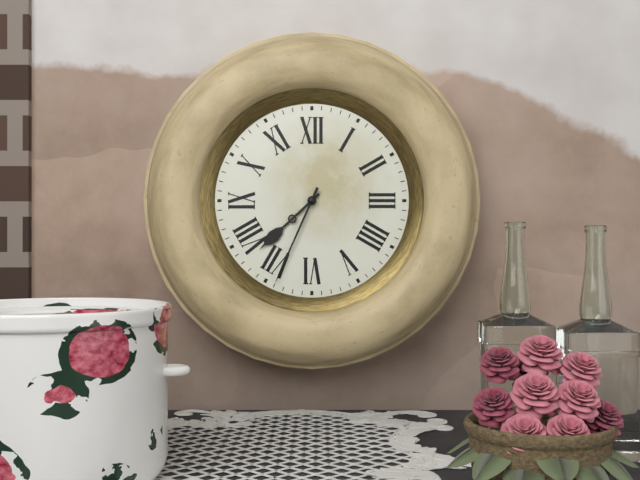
**7:34**
